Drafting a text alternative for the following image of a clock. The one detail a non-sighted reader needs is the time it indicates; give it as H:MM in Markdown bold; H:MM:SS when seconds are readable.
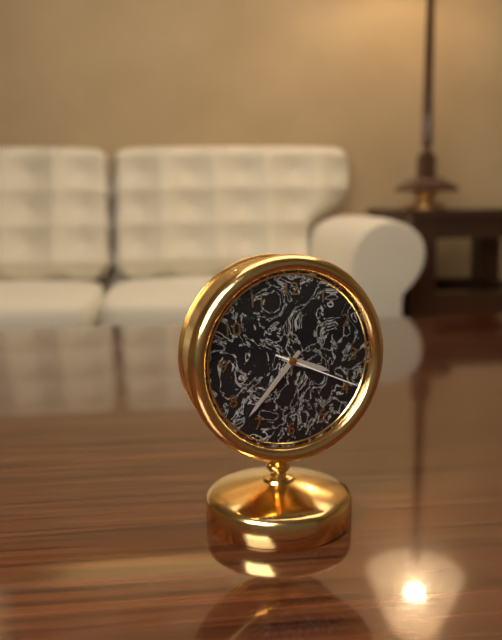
**3:37:19**
